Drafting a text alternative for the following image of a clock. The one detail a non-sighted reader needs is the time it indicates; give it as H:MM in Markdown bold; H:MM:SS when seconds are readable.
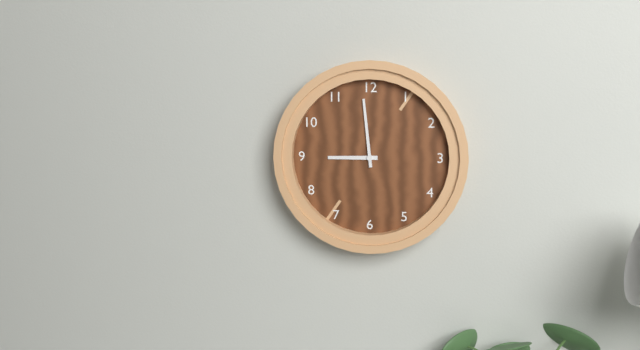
**8:59**
